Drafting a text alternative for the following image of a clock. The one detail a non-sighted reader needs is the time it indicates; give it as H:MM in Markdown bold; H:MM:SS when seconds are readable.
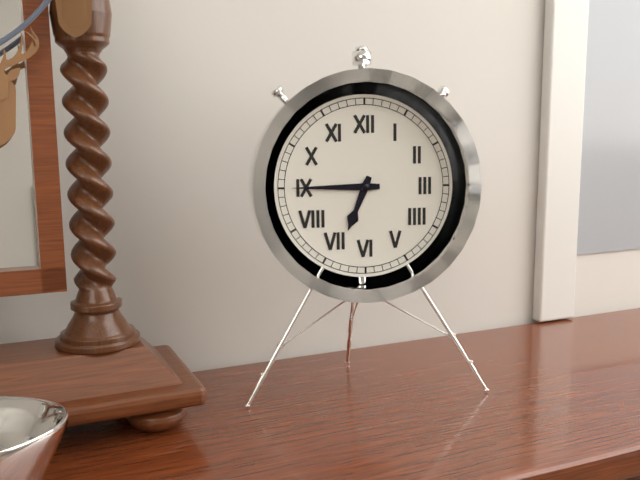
**6:45**
